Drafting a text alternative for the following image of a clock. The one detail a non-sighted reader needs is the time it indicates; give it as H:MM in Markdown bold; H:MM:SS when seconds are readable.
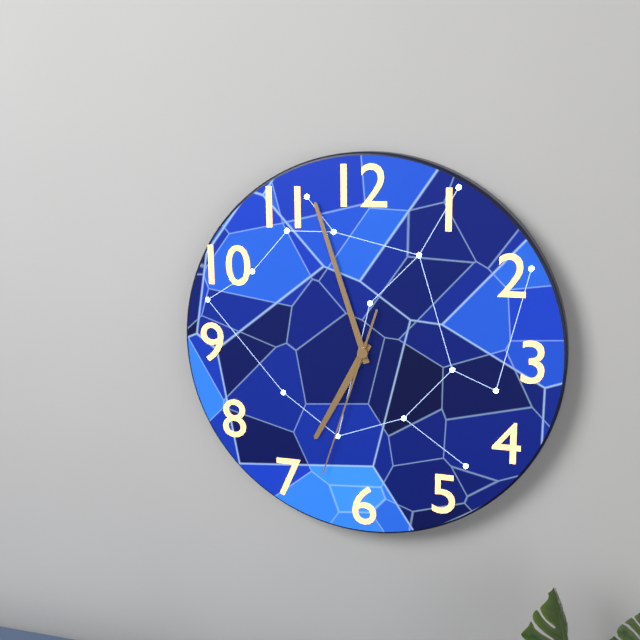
**6:57:33**
